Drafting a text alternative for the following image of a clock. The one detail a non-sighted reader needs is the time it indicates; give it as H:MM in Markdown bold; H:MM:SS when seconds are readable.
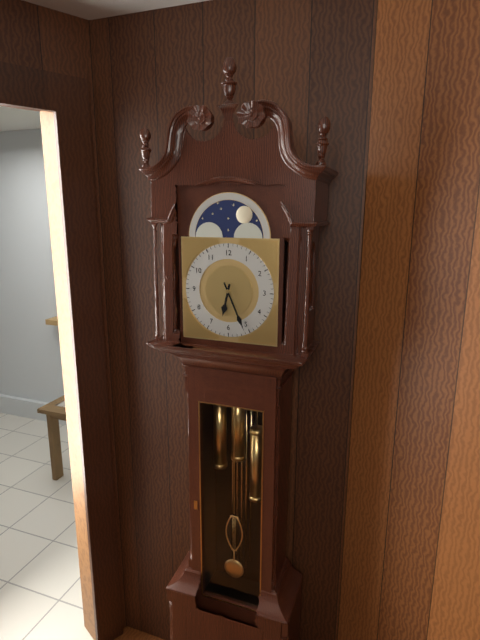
**6:26**
